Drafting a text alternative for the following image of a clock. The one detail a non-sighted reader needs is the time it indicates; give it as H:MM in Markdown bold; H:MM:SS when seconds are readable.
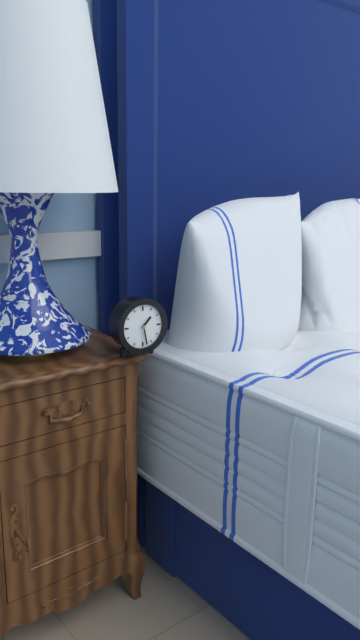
**1:28**
